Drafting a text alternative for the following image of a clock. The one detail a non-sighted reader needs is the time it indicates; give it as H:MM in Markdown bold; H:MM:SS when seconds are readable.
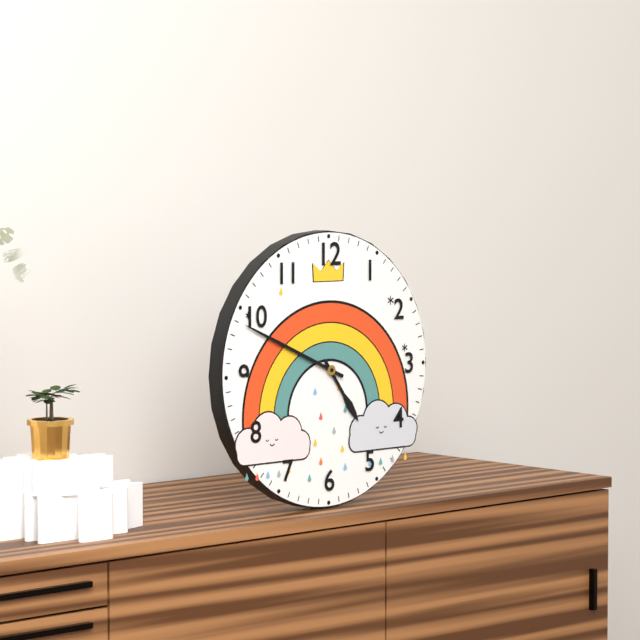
**4:49**
